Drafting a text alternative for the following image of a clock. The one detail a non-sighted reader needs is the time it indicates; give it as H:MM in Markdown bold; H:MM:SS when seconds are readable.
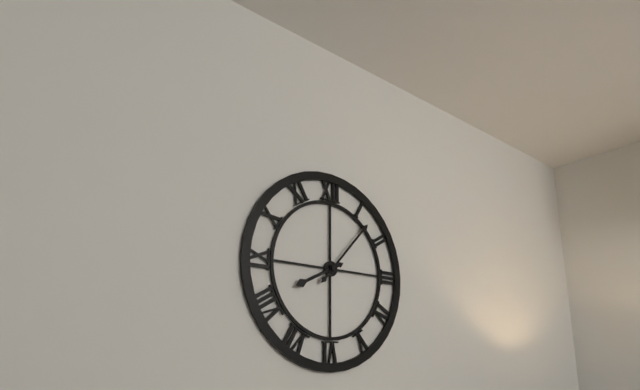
**8:07**
